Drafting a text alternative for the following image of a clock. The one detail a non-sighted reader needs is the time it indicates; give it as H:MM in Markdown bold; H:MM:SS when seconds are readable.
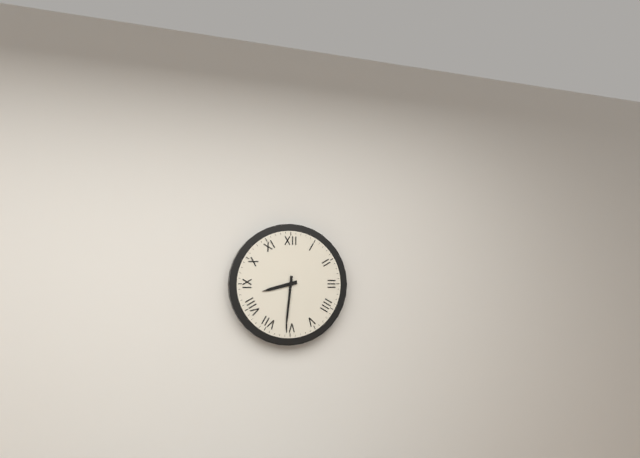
**8:31**
